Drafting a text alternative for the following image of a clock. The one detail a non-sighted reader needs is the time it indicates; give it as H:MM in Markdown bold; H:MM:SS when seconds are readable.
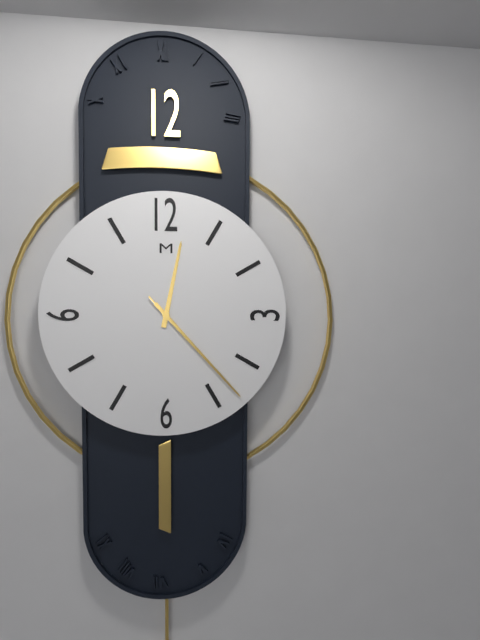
**12:23:23**
